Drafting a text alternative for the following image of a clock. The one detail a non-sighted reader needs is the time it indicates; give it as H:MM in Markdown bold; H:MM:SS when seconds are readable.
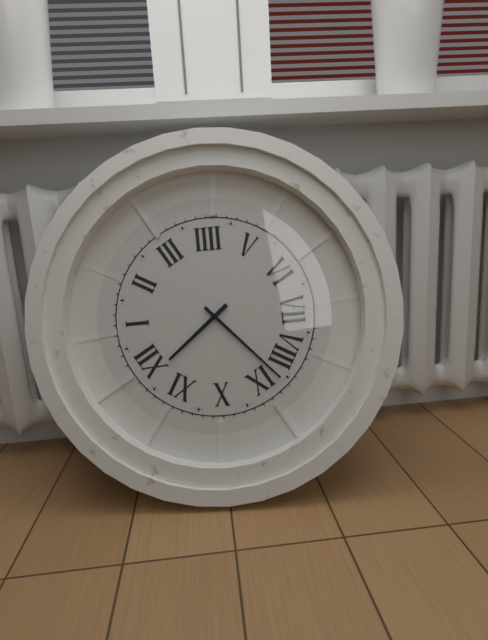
**11:43**
